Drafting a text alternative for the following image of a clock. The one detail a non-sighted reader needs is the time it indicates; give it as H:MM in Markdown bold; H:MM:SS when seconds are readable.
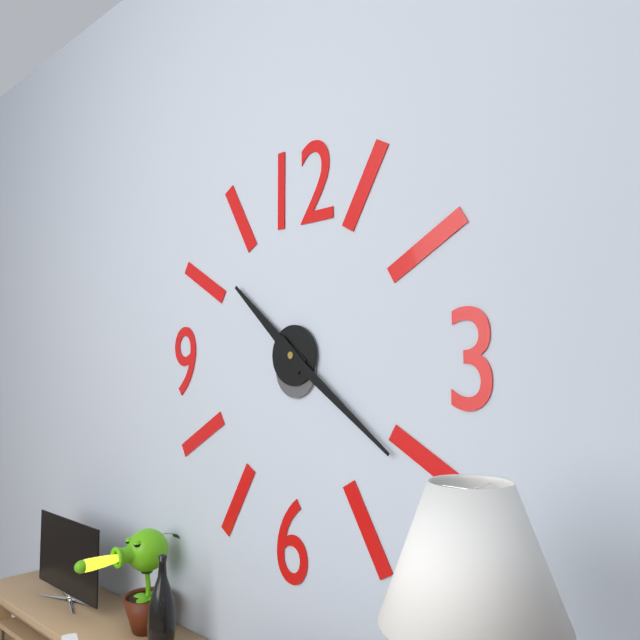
**10:21**
